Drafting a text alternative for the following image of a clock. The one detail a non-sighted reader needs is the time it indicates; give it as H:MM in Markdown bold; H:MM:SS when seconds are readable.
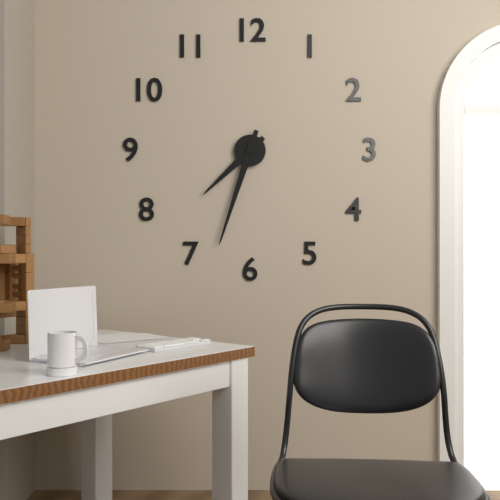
**7:33**
